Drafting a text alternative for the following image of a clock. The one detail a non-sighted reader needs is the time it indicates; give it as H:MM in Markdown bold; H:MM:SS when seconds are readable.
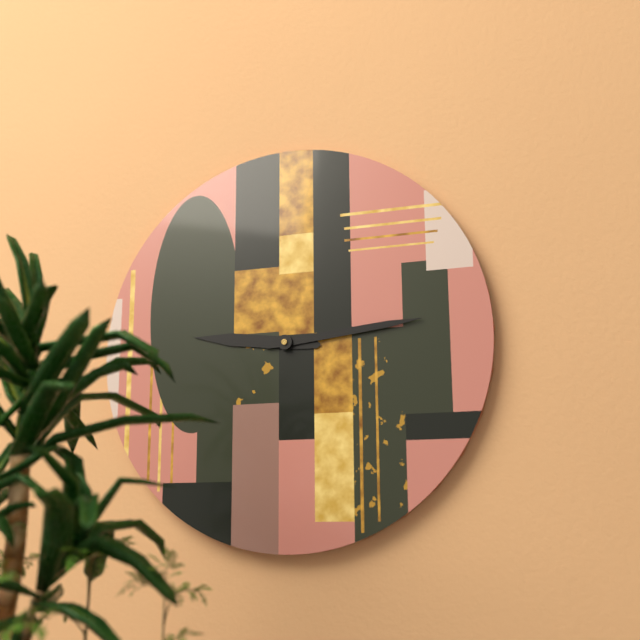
**9:14**
